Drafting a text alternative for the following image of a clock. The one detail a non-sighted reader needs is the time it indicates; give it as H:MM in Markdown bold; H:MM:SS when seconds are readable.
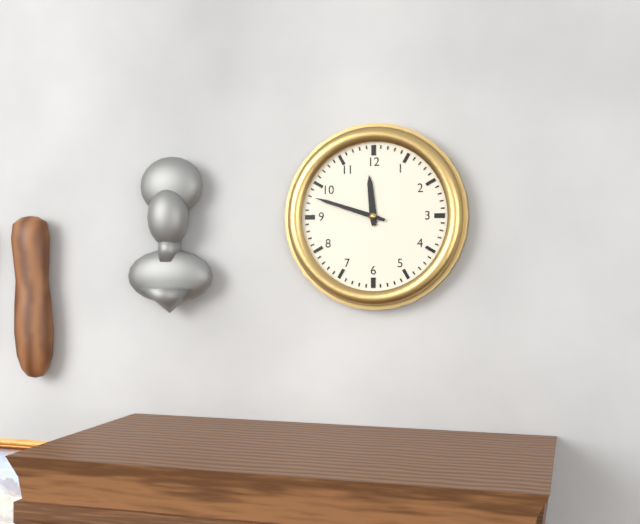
**11:48**
